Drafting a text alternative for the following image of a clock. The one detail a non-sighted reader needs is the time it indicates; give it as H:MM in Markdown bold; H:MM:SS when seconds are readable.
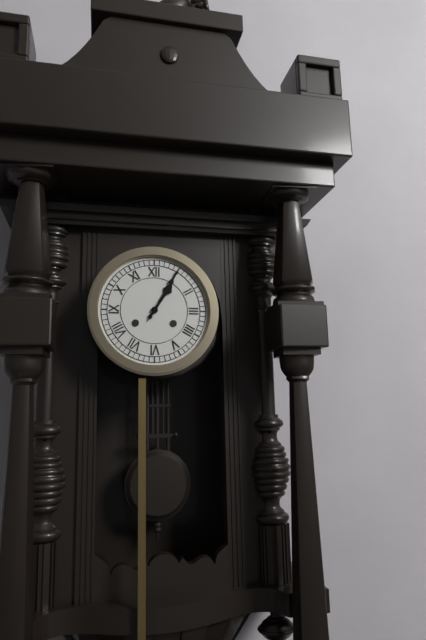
**1:05**
